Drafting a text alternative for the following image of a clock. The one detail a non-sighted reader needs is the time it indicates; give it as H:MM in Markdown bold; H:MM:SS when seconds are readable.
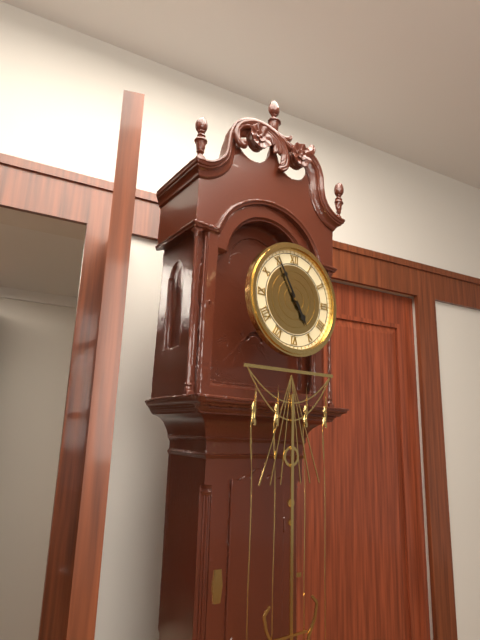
**4:55**
